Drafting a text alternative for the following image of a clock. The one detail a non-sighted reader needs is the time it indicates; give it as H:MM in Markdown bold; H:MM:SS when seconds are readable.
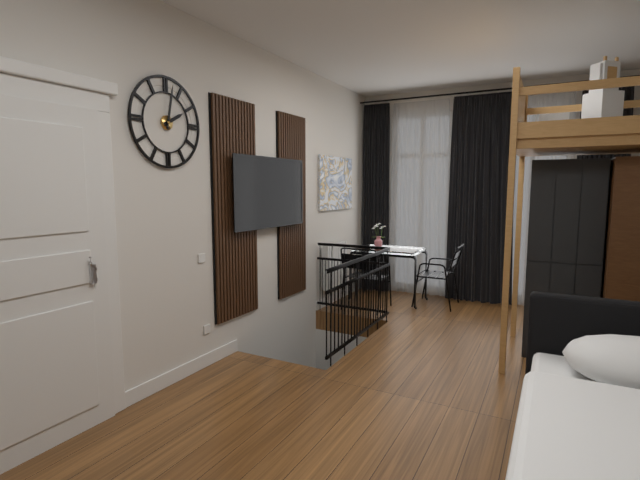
**2:02**
